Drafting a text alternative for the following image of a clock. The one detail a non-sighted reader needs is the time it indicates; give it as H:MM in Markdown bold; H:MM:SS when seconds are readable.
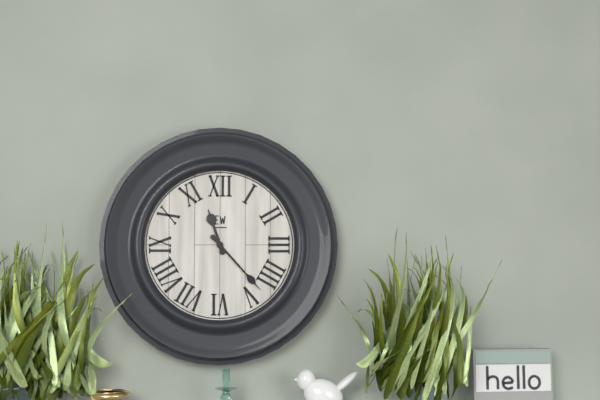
**11:23**
